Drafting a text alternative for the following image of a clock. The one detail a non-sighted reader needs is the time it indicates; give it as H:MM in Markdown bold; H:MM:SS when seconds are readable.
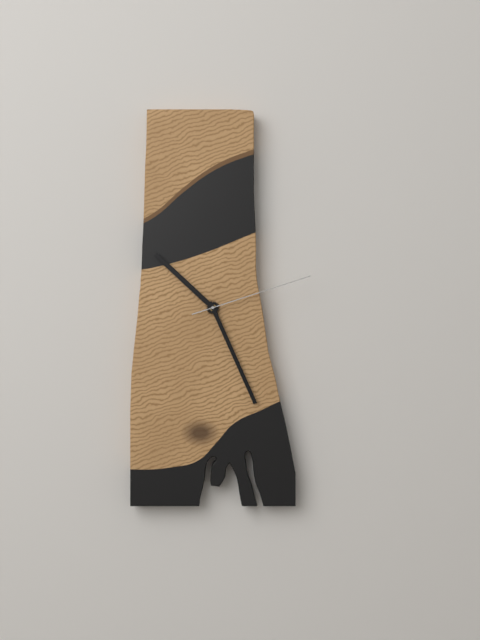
**10:26:12**
